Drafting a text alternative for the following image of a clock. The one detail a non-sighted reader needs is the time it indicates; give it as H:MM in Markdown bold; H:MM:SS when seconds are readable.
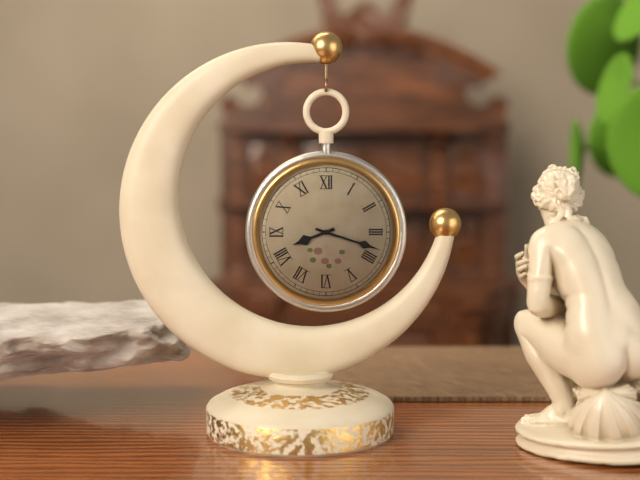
**8:18**
